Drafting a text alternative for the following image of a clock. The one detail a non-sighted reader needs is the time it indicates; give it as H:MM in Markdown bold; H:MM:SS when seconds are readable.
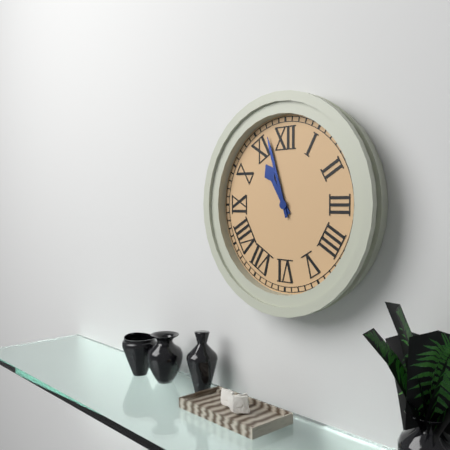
**10:57**
